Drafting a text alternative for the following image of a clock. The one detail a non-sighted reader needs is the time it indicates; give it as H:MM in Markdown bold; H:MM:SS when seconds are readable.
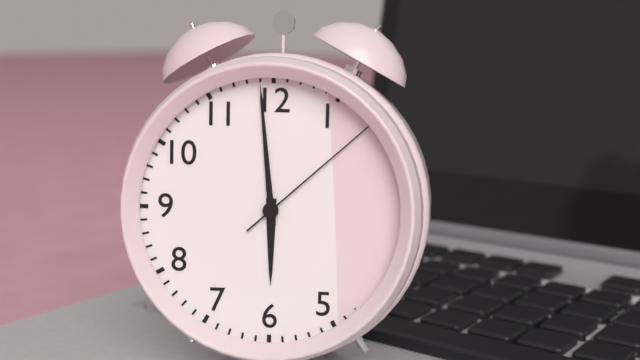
**5:59:08**
